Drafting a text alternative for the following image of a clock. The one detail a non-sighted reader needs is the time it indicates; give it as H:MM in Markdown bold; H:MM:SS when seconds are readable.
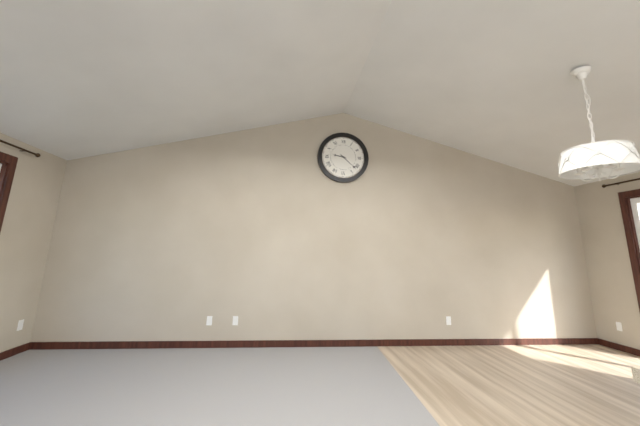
**9:22**
